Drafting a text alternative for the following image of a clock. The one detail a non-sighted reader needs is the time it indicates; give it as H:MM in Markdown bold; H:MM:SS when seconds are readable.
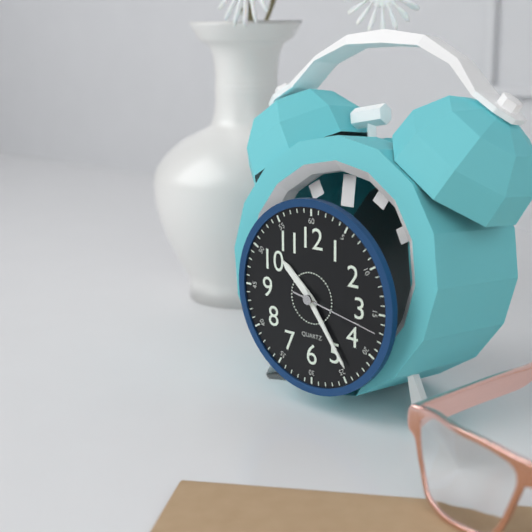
**10:24:17**
